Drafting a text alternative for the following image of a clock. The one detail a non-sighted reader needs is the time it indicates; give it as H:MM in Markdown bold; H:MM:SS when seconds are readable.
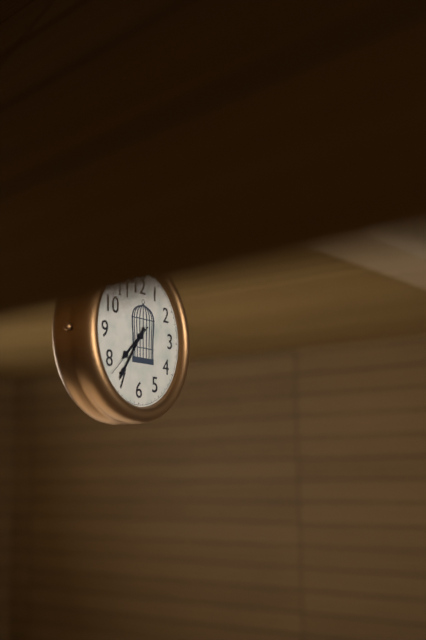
**7:36:38**
